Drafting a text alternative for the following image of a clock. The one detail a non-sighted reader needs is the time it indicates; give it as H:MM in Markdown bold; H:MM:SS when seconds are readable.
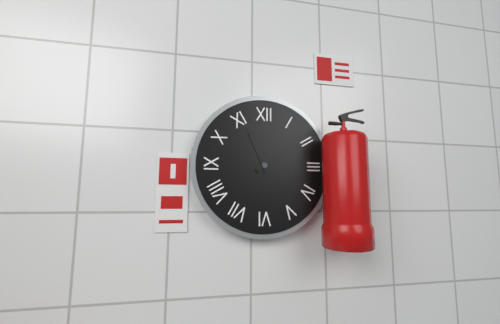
**11:09**
